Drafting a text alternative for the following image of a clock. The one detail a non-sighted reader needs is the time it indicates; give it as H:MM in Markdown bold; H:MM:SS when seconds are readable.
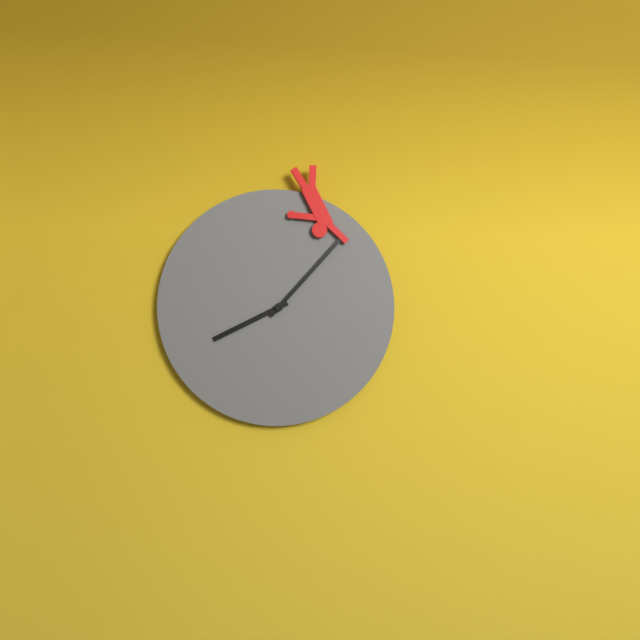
**8:07**
